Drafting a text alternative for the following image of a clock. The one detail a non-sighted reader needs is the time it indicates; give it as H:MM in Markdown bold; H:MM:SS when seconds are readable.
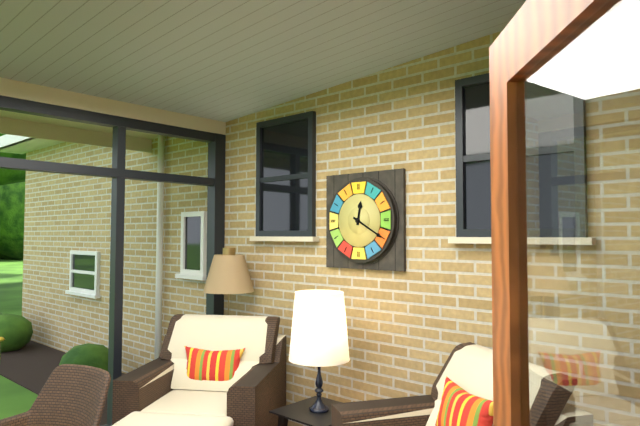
**12:20**
